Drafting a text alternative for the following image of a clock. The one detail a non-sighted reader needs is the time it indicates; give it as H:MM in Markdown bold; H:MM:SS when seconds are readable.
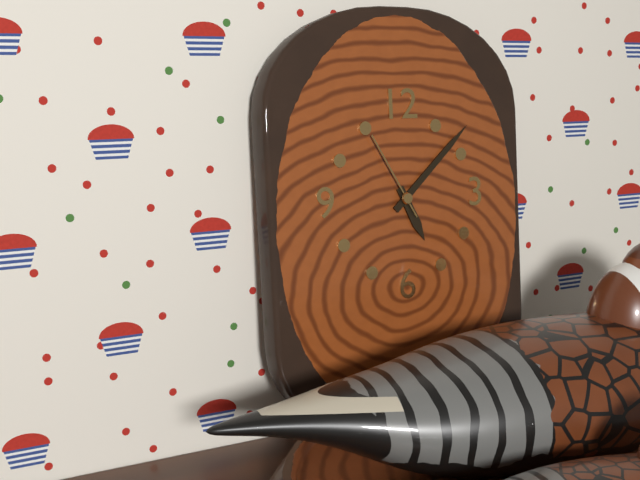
**5:08:55**
